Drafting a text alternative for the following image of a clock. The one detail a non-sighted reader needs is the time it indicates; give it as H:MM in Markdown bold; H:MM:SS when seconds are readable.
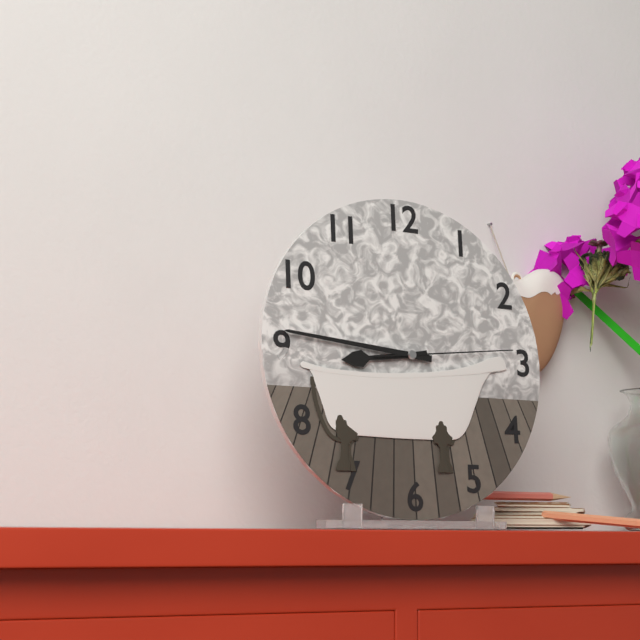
**8:46:14**
